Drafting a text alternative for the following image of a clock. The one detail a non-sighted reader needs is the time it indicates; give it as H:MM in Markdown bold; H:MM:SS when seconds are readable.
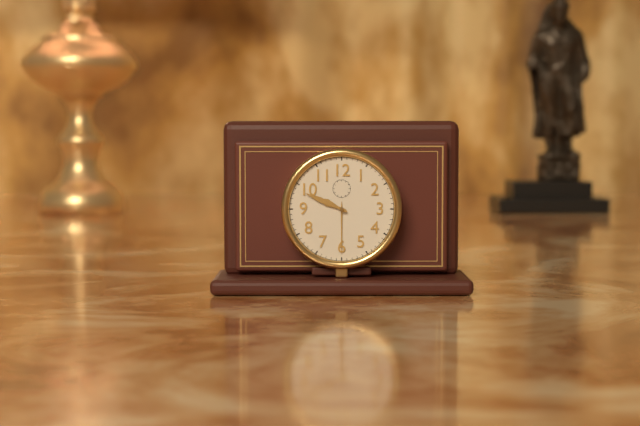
**9:49**
